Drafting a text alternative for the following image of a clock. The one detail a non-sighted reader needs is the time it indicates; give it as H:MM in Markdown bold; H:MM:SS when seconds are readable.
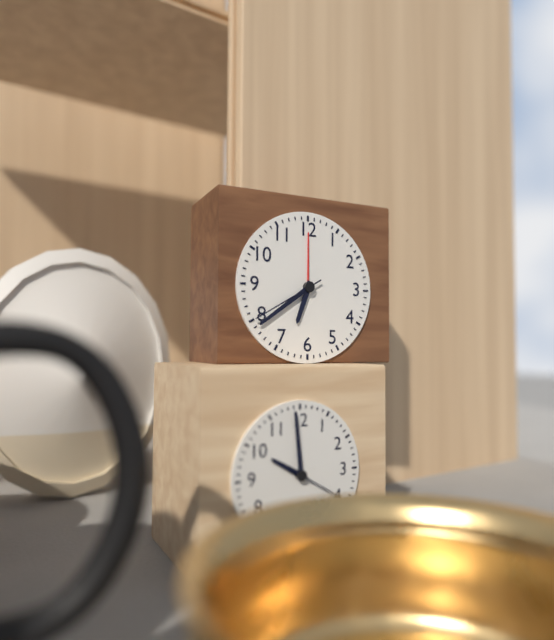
**6:39:40**
